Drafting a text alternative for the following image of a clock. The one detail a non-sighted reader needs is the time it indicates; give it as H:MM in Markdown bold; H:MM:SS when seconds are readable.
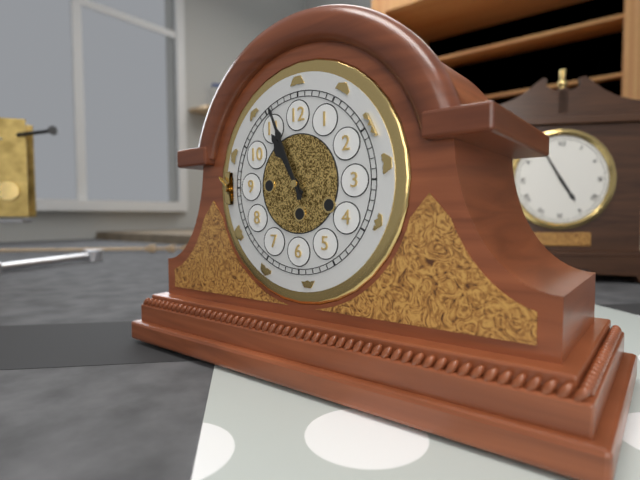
**10:56**
